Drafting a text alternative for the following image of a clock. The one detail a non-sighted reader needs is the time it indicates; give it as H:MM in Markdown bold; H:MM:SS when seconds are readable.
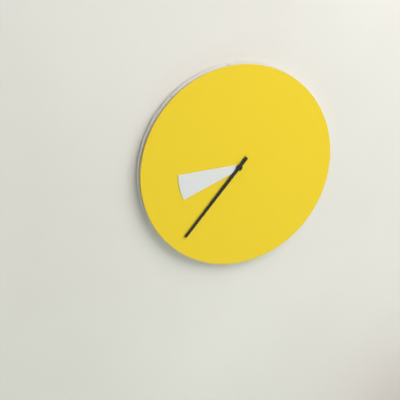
**8:37**
